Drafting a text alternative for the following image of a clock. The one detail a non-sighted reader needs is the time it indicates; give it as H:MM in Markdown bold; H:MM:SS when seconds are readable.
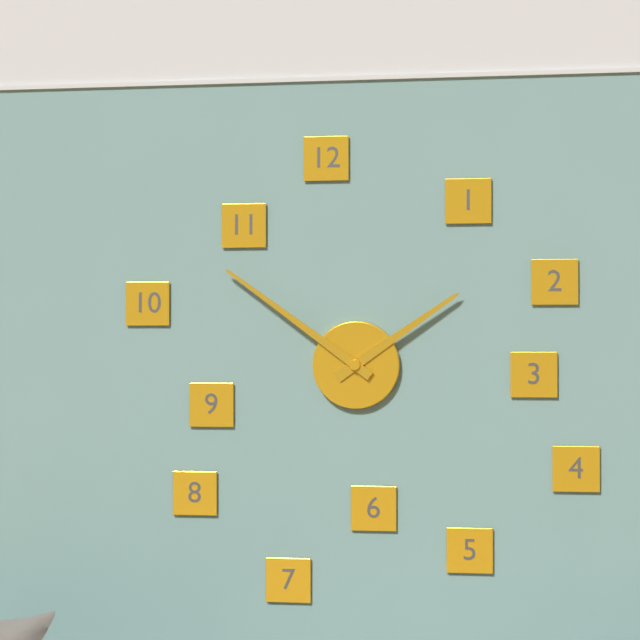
**1:51**
